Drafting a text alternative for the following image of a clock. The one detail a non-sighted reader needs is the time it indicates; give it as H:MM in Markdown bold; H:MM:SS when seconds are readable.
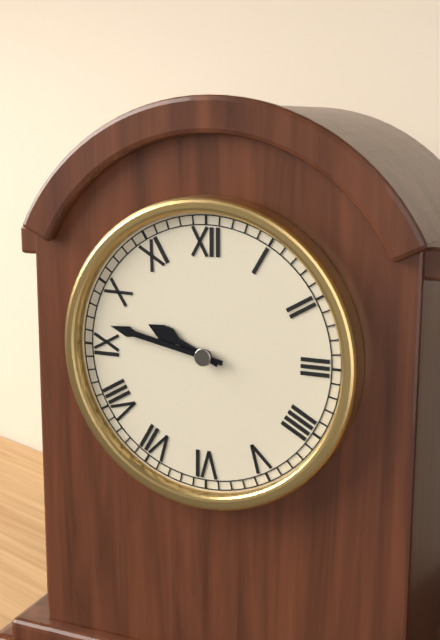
**9:47**
